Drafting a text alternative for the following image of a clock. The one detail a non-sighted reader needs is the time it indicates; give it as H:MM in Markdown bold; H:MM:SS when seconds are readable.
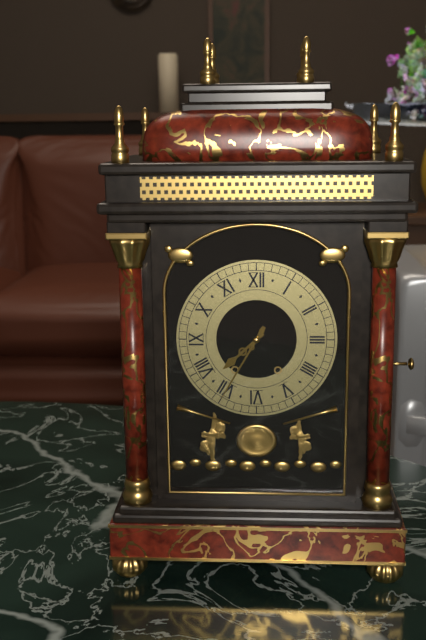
**7:35**
